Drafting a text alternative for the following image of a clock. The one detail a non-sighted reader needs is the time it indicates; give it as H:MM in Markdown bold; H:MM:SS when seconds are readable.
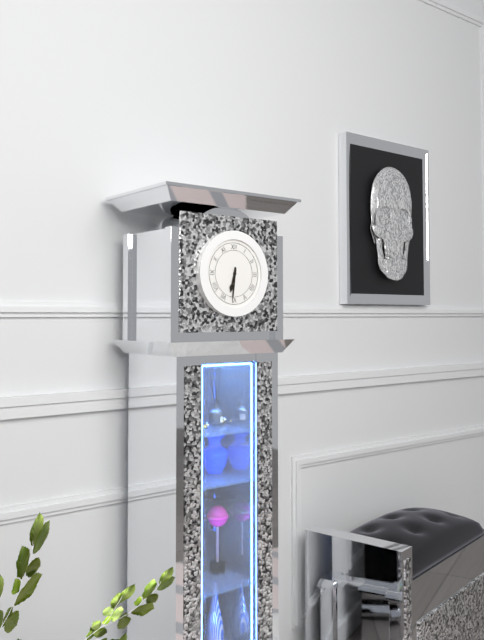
**6:31**
